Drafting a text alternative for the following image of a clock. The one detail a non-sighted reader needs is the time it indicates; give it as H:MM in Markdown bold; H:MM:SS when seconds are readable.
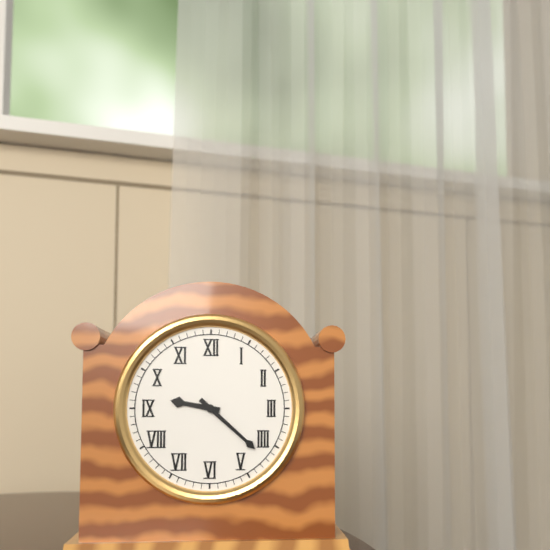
**9:22**
